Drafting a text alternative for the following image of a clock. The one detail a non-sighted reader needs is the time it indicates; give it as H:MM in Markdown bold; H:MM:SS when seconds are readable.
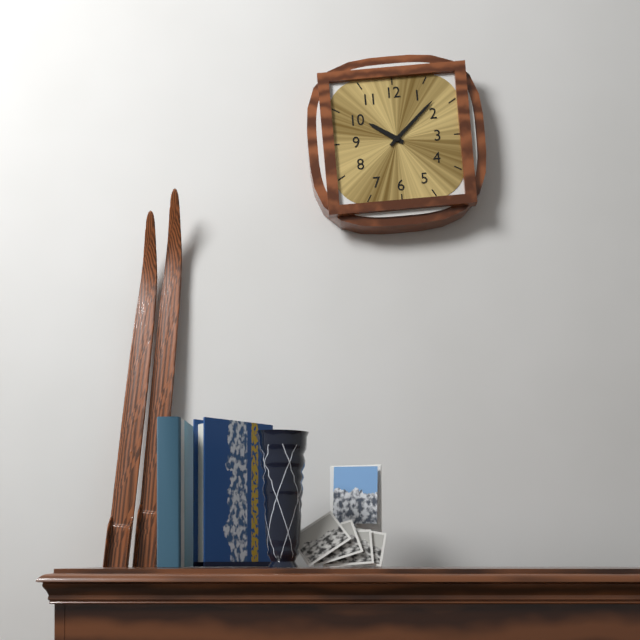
**10:08**
